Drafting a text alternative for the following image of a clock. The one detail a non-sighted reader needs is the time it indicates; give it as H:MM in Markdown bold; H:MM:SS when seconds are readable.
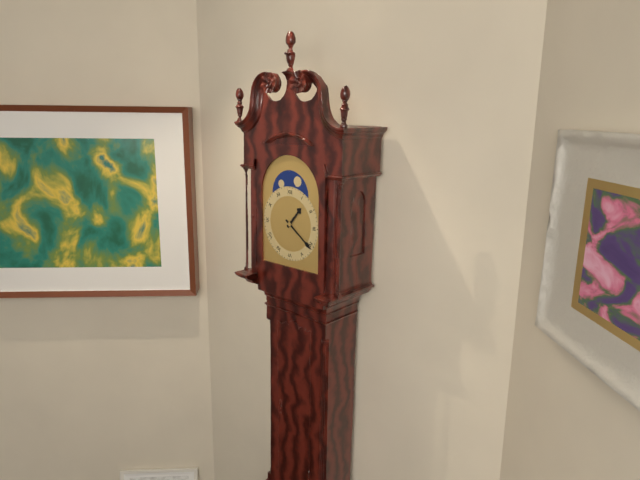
**1:21**
